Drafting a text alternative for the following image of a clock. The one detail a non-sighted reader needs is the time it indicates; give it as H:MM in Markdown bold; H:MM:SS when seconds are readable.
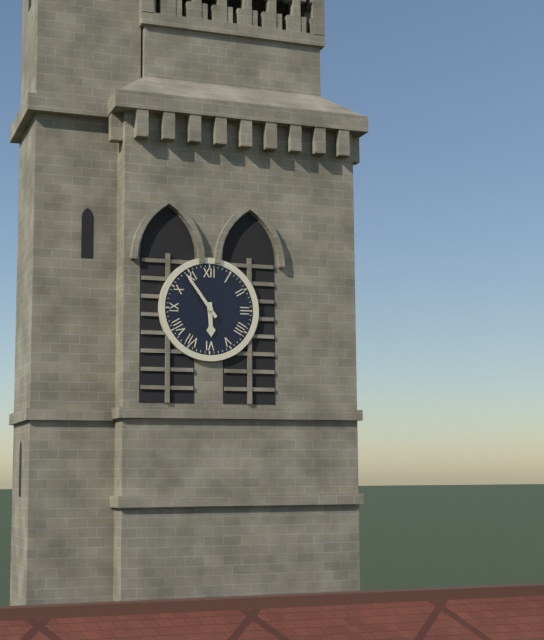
**5:54**
